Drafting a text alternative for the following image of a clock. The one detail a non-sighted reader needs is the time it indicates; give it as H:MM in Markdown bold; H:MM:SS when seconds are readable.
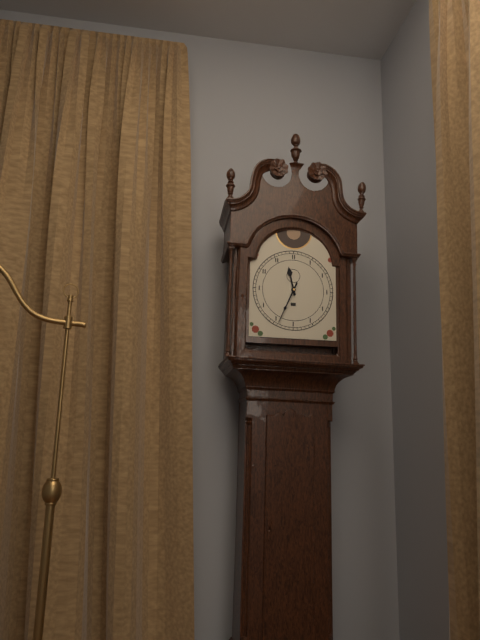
**11:34**
